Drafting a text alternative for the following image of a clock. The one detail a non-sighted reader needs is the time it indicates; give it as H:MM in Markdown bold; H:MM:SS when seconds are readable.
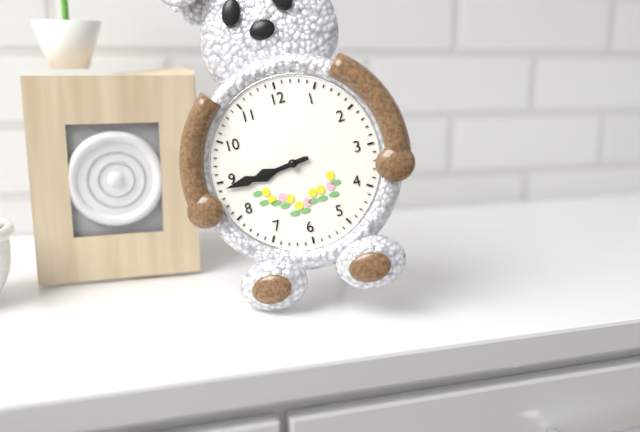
**8:44**
